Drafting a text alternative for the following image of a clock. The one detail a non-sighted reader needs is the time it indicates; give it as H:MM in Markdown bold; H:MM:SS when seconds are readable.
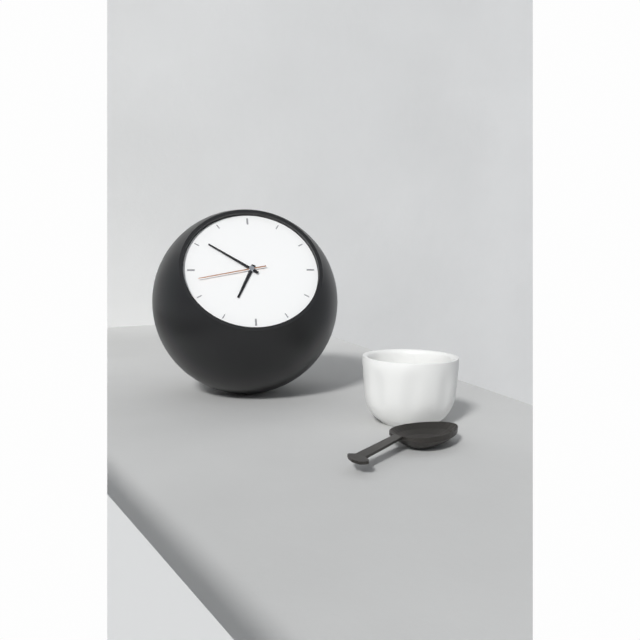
**6:51:43**
